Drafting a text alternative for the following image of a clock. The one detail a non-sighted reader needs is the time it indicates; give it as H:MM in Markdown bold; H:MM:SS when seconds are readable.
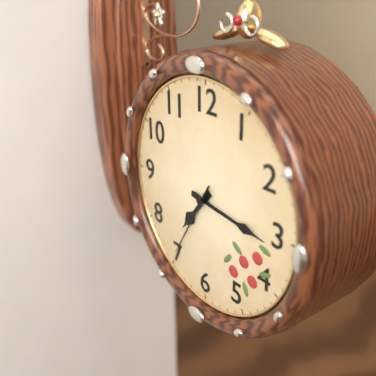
**7:16:35**
